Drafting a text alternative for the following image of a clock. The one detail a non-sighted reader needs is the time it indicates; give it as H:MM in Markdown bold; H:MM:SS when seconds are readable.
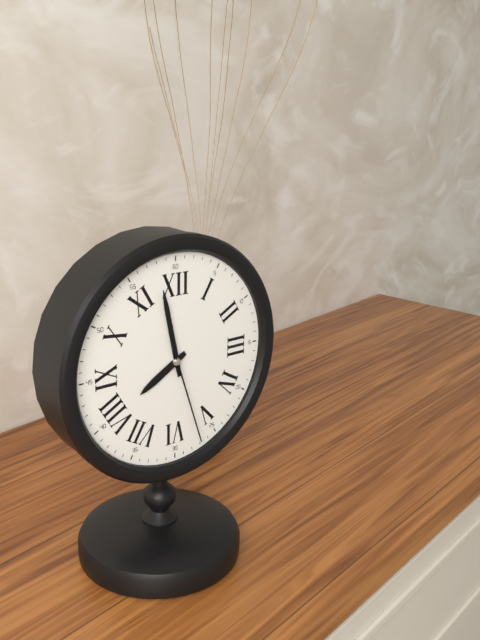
**7:58:27**
